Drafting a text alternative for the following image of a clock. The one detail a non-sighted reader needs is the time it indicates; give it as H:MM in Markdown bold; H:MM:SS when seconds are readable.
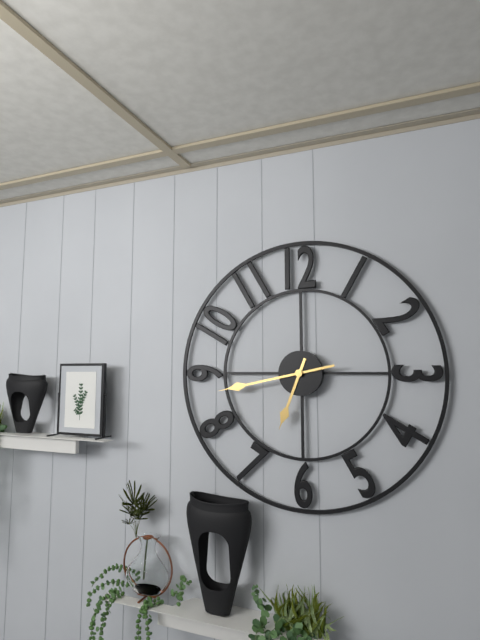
**6:43**
